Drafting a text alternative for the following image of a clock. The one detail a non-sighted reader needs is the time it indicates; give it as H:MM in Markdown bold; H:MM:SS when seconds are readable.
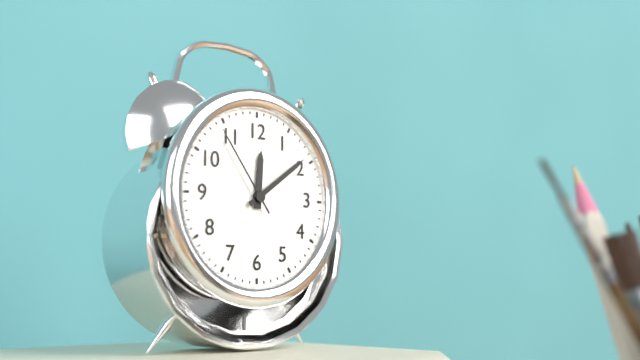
**12:09:54**
